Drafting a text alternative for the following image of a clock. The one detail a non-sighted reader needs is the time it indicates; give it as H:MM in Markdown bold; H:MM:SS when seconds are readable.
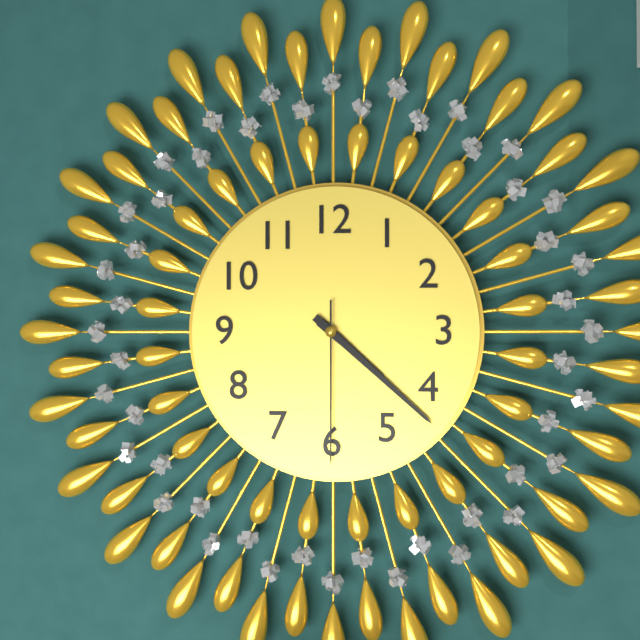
**4:22:30**
